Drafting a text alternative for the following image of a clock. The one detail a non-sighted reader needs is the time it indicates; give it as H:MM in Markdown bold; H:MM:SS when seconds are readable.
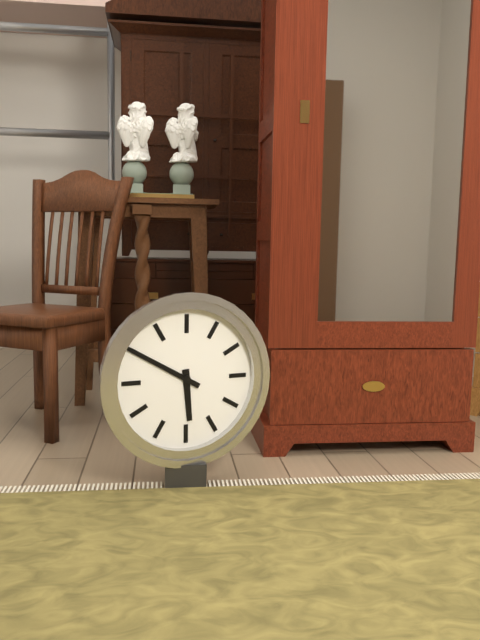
**5:50**
